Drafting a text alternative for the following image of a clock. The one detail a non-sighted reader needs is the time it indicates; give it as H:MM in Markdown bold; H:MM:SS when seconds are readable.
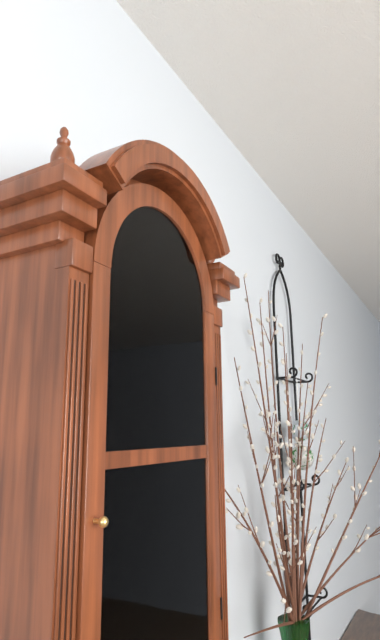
**4:42**
